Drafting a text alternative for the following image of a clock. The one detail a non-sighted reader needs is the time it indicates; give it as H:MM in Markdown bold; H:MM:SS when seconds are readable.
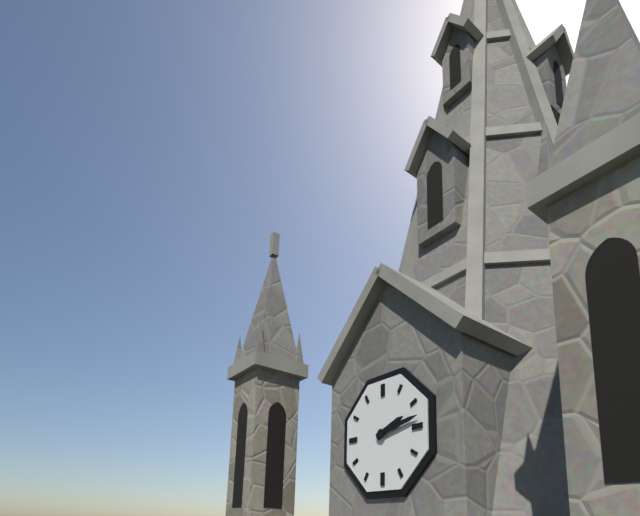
**2:13**
